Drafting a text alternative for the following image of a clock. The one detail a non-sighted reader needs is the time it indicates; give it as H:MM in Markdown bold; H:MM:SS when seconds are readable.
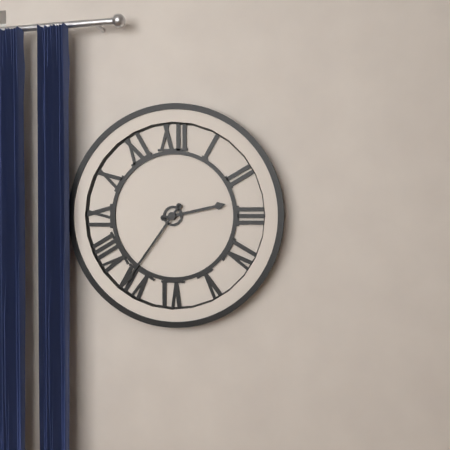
**2:36**
